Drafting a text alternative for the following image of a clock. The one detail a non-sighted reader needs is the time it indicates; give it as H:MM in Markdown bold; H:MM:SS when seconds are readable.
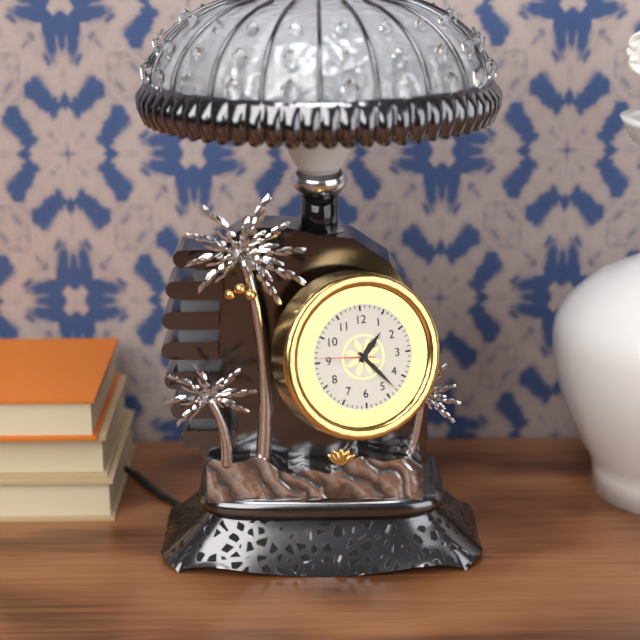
**1:23**
